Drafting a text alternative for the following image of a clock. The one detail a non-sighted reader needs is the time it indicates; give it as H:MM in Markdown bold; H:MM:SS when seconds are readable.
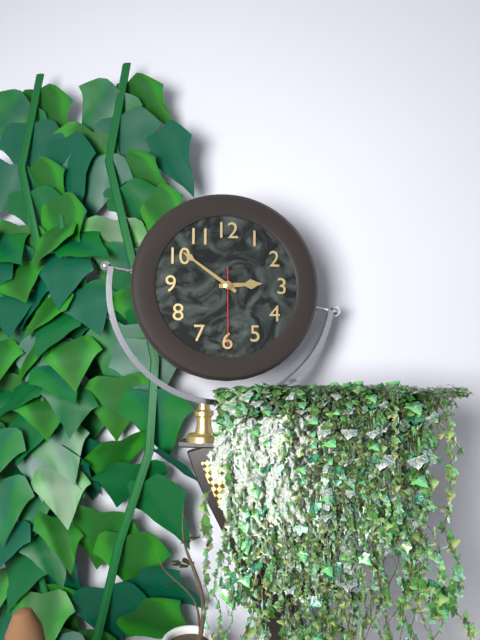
**2:51:30**
